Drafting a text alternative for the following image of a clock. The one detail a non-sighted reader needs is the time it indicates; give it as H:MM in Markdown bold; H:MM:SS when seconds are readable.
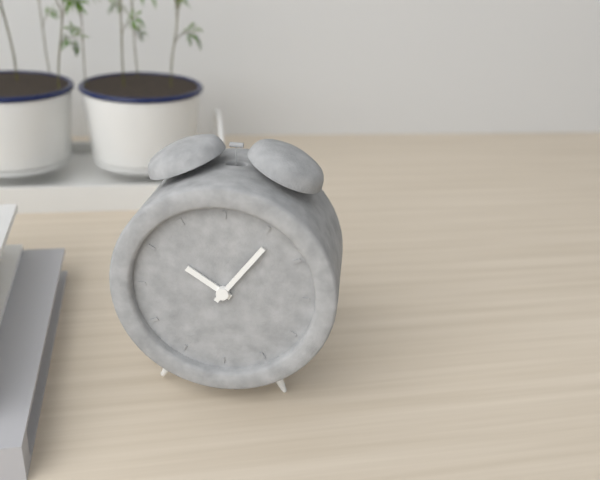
**10:06**
